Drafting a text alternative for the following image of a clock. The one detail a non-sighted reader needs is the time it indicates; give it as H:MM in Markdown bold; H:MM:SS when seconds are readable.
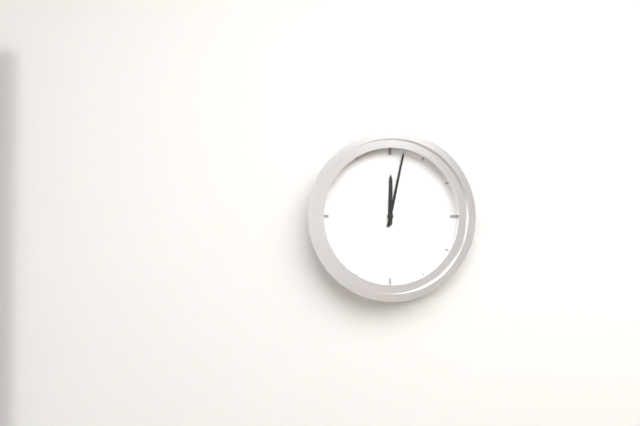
**12:02**
